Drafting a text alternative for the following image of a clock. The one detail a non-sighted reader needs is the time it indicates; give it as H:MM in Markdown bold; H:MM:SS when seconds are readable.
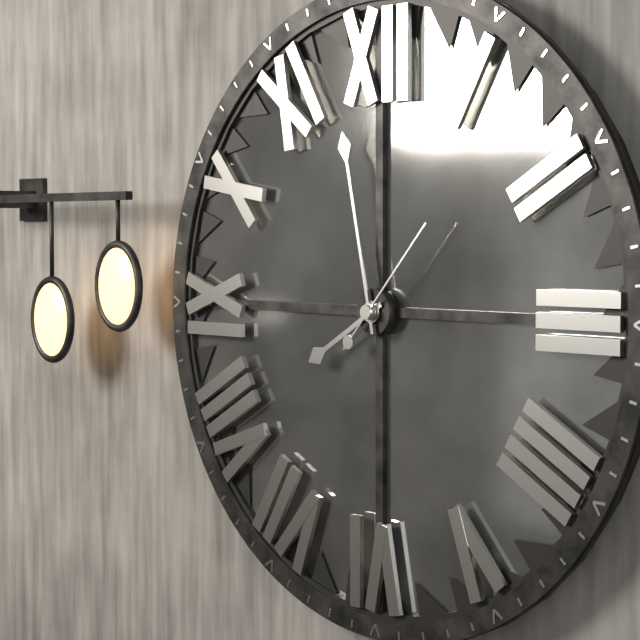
**7:58:07**
